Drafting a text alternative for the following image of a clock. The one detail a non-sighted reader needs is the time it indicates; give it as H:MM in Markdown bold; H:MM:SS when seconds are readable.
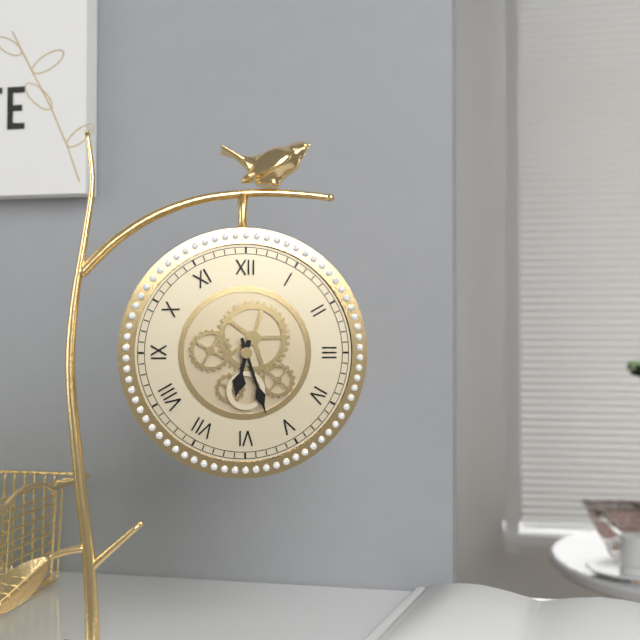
**6:27**
